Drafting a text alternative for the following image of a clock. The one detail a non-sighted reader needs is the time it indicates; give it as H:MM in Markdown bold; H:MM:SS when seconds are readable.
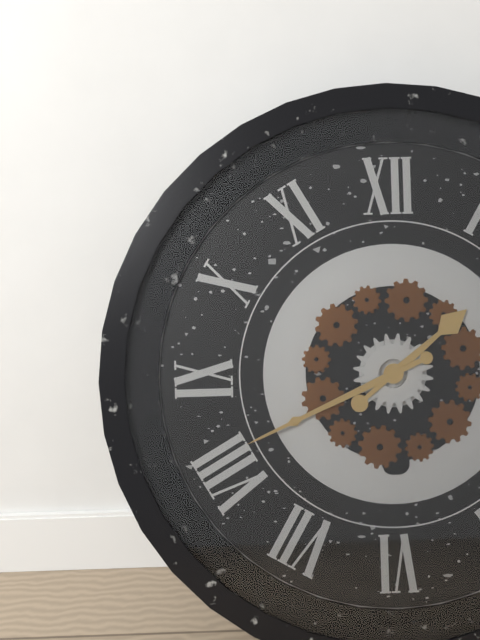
**1:41**
